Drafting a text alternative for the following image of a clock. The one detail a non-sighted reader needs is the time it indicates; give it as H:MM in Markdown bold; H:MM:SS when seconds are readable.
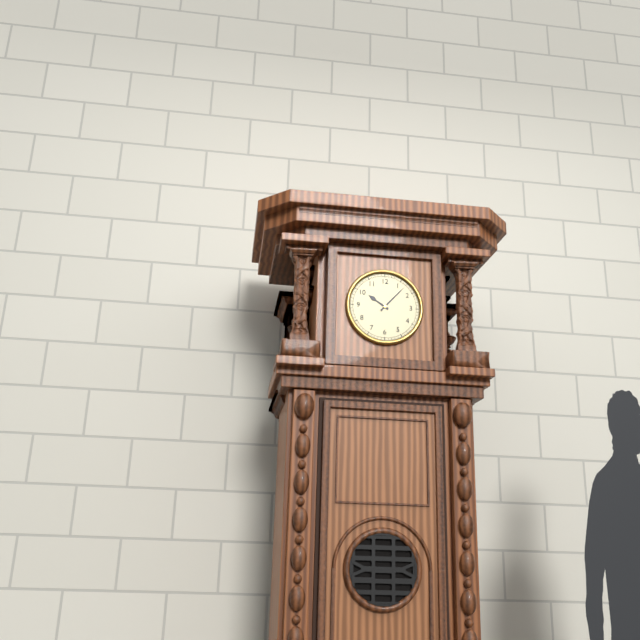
**10:07**
